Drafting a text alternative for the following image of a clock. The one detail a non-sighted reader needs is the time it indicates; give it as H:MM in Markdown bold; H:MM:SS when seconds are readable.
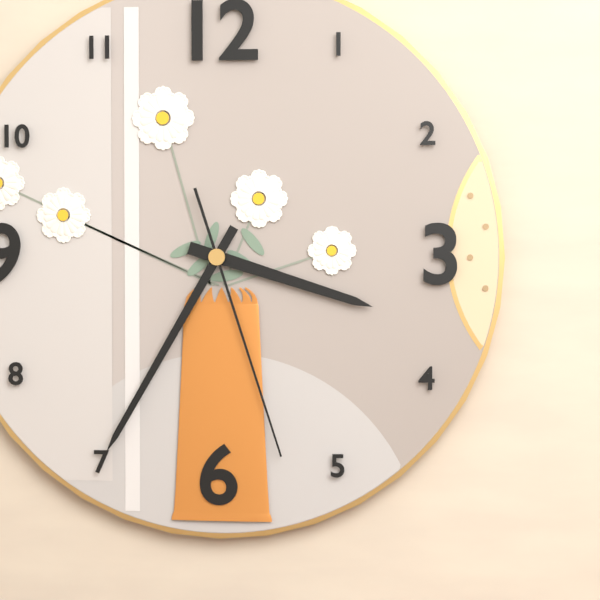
**3:35:27**
